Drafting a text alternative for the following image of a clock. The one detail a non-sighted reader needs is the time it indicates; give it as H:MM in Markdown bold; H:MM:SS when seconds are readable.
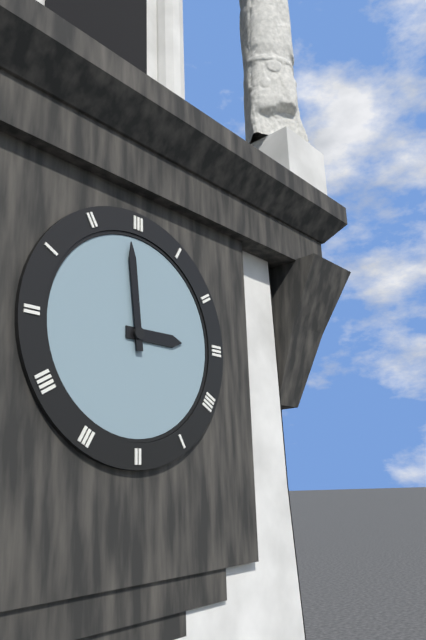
**2:59**
